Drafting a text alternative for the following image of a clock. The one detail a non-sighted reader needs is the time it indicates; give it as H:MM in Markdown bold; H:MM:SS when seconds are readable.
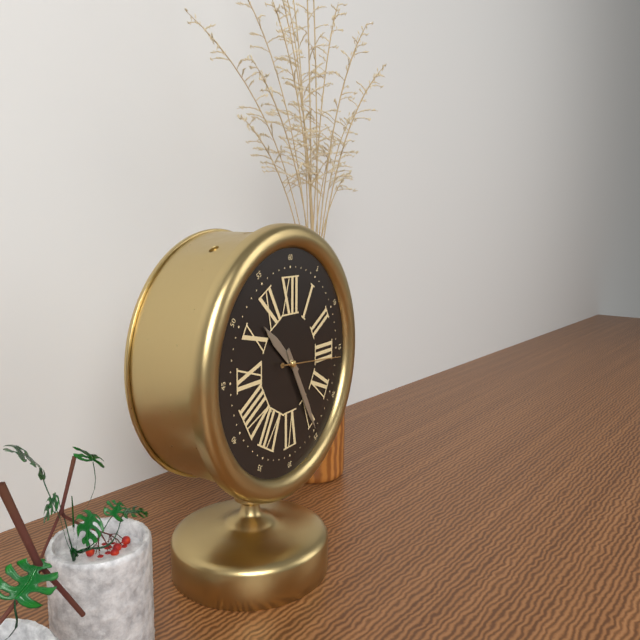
**10:25:16**
